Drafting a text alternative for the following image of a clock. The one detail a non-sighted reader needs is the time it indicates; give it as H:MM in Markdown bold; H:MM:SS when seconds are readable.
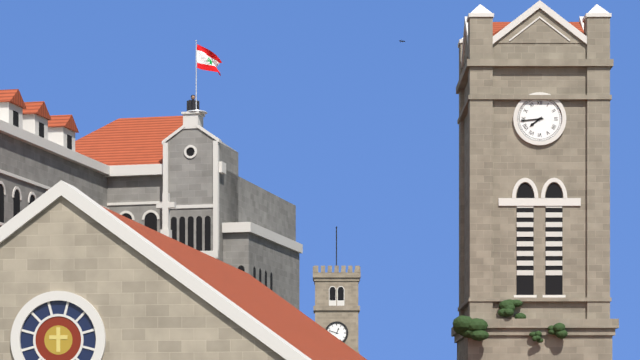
**7:44**
